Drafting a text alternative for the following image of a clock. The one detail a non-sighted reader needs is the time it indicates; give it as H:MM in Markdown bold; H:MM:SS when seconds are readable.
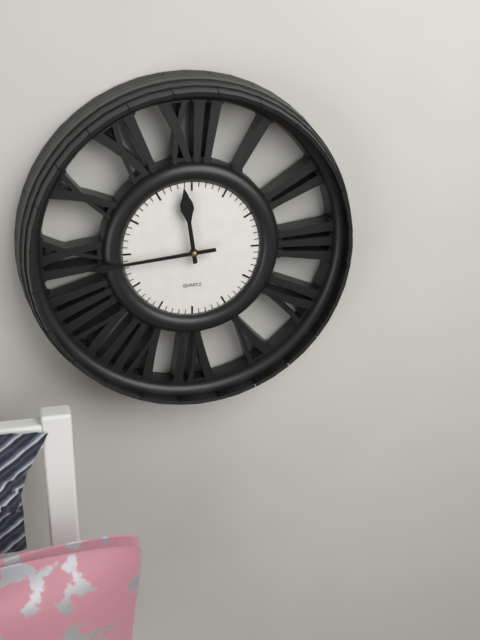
**11:44**
